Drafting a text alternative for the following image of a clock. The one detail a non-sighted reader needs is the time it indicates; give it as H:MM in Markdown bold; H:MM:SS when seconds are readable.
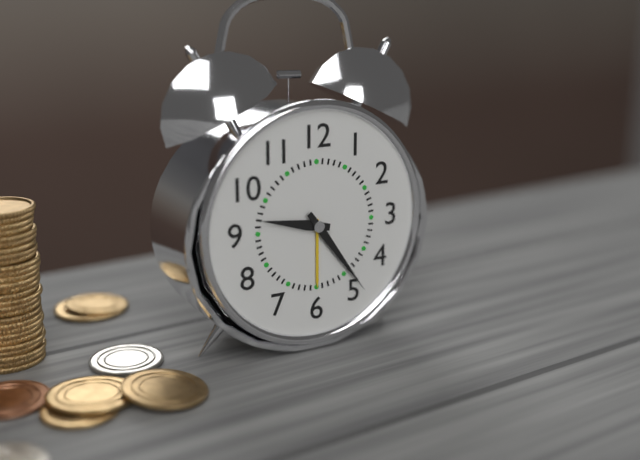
**9:24**
